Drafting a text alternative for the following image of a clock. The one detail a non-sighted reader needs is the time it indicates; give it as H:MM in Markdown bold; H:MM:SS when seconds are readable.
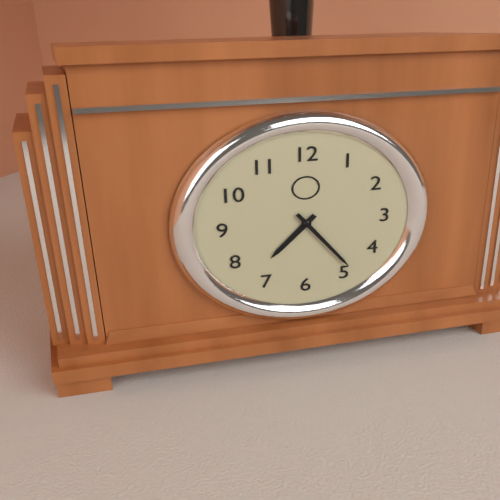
**7:24**
